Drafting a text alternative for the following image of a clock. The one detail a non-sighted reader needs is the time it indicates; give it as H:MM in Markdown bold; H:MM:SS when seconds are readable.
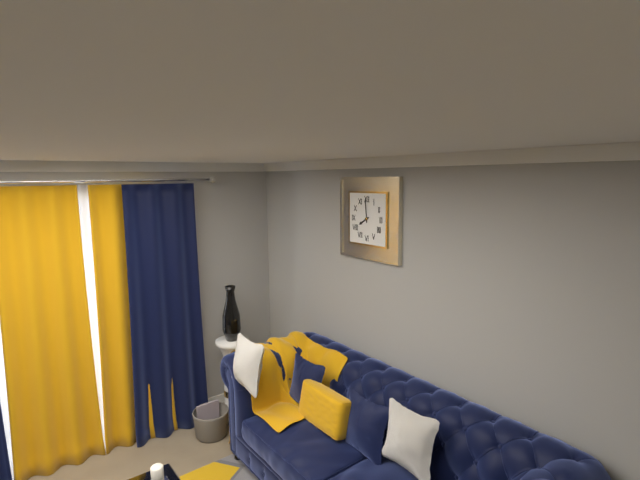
**7:59**
